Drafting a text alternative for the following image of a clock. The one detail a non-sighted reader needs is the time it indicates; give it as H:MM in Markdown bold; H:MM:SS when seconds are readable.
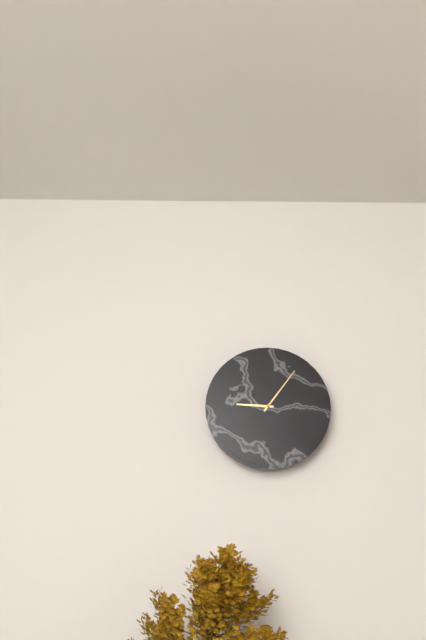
**9:06**
